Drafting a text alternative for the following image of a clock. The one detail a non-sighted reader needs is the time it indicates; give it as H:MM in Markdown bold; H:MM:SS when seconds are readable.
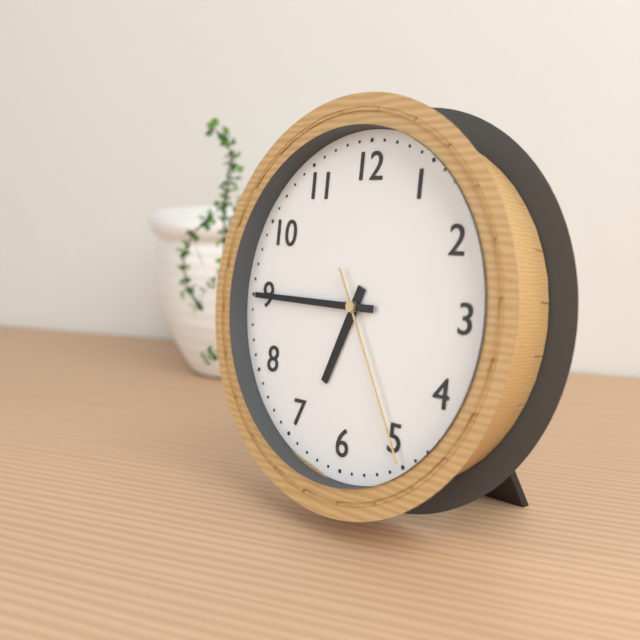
**6:45:25**
